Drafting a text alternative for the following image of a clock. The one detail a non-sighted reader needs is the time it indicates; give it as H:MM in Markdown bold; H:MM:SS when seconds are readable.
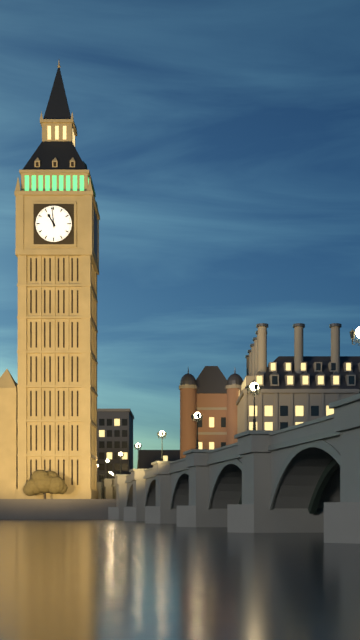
**10:59**
